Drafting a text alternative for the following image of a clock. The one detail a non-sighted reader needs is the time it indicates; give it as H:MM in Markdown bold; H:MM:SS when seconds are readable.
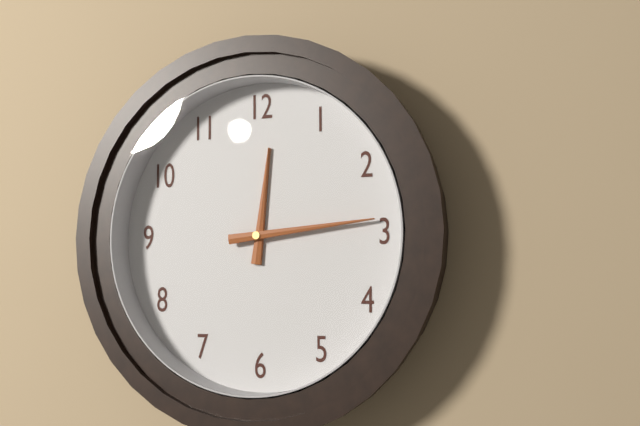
**12:14**
